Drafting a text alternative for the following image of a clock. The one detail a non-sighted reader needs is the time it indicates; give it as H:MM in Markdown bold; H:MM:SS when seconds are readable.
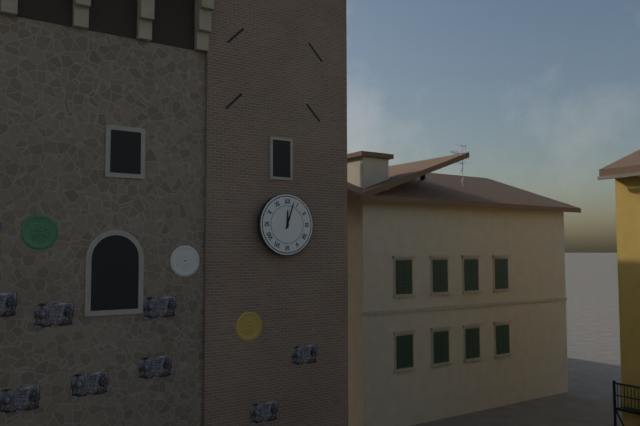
**12:03**
